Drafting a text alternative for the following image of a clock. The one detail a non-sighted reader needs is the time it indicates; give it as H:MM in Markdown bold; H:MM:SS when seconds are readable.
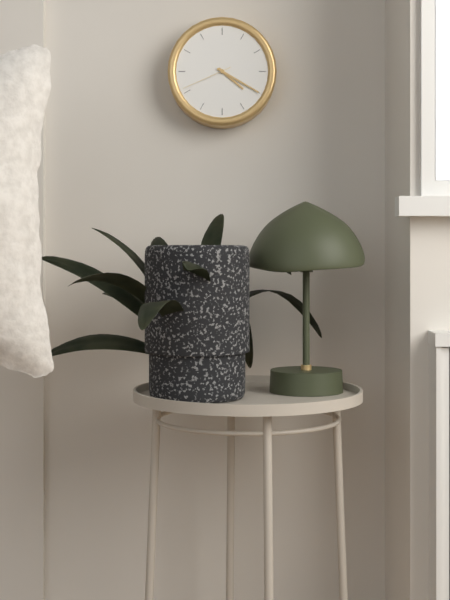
**4:20:41**
